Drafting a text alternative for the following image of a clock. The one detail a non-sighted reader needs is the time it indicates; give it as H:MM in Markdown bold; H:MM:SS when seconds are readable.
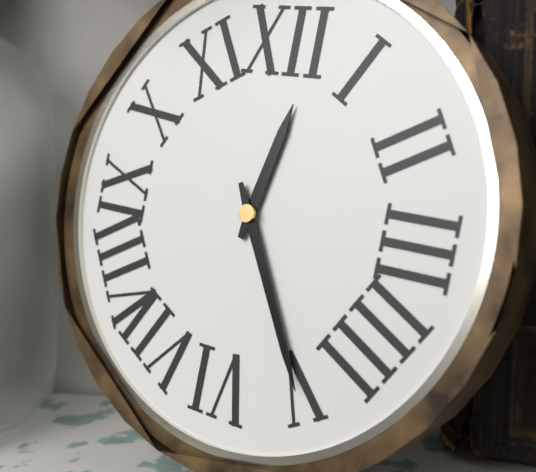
**12:25**
